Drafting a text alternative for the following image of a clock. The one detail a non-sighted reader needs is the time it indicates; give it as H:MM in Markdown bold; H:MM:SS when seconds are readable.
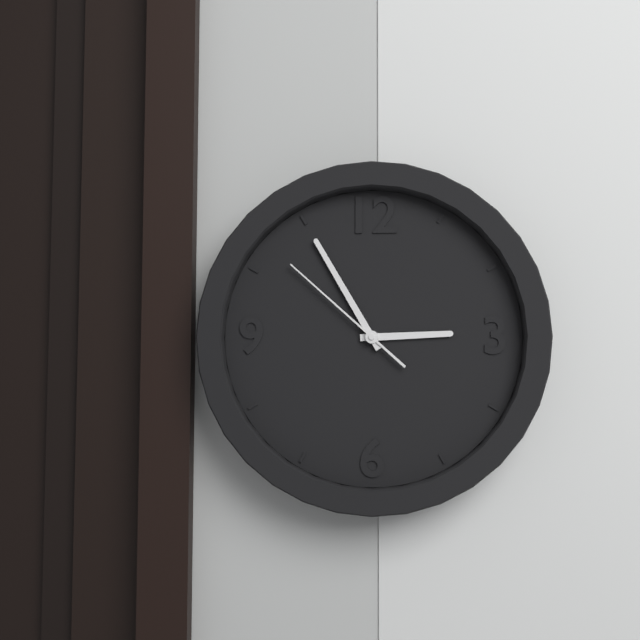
**2:55:52**
